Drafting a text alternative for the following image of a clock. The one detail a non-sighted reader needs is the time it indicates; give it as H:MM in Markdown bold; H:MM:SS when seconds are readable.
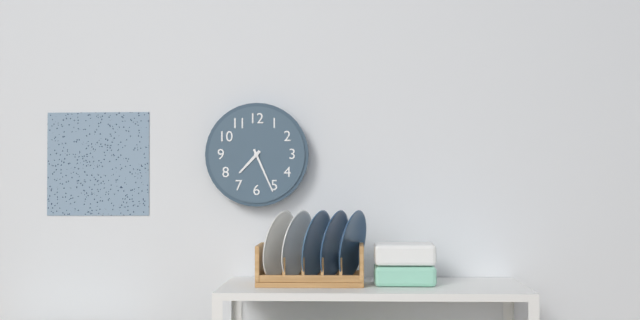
**7:26**
